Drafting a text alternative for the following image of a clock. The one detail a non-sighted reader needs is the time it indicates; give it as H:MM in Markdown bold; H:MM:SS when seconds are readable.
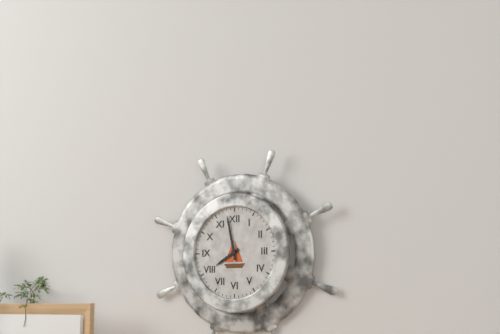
**7:58**
